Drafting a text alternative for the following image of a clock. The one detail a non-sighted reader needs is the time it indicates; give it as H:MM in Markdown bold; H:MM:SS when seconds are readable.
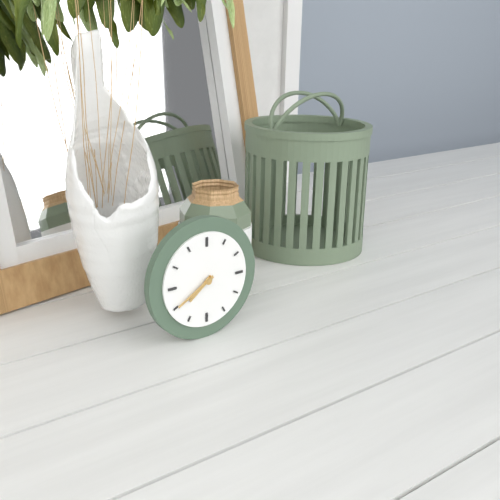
**7:40**
